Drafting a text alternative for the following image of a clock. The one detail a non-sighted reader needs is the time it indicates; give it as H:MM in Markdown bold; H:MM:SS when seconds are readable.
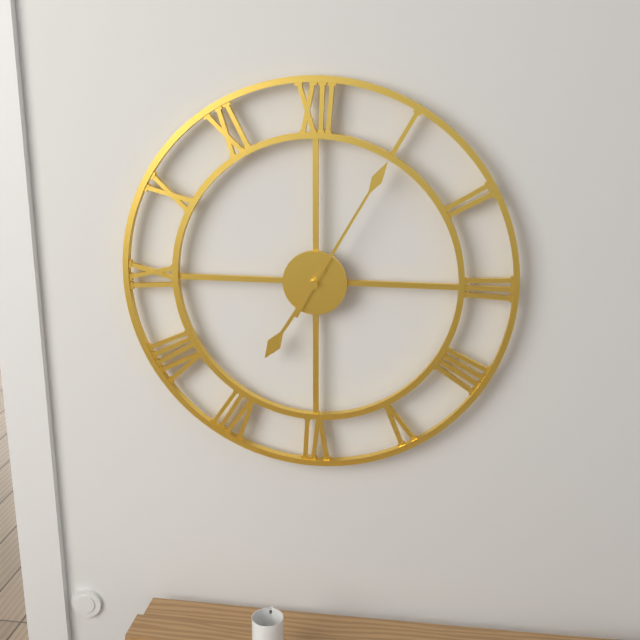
**7:05**
